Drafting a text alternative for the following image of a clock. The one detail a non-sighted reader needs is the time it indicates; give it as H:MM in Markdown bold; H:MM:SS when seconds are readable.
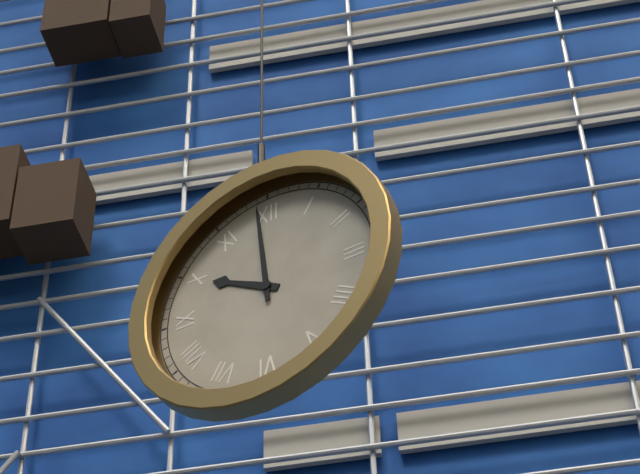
**9:59**
